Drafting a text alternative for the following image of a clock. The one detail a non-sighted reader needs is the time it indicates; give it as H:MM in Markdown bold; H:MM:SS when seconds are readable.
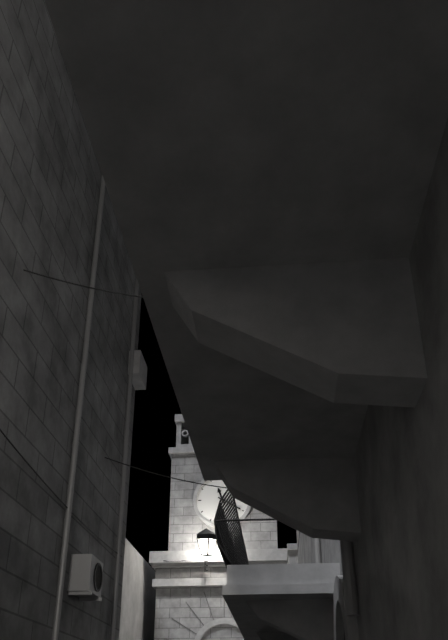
**11:20**
